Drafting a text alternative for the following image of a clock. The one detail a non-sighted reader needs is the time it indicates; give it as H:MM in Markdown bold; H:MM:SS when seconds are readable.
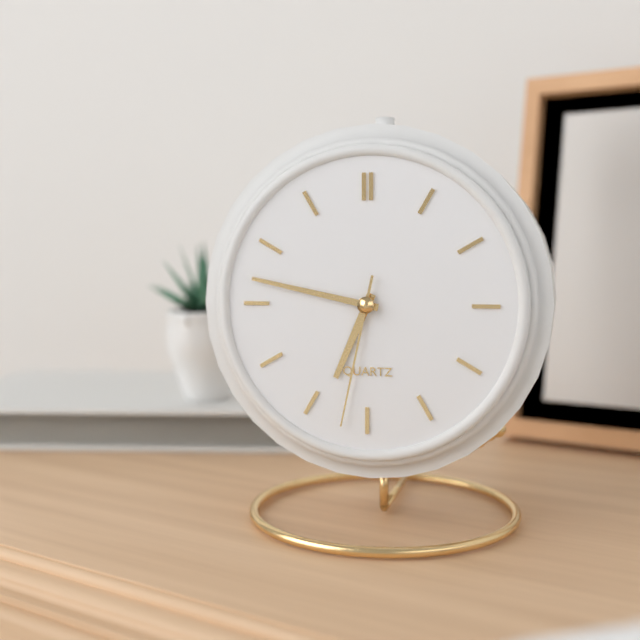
**6:47:32**
